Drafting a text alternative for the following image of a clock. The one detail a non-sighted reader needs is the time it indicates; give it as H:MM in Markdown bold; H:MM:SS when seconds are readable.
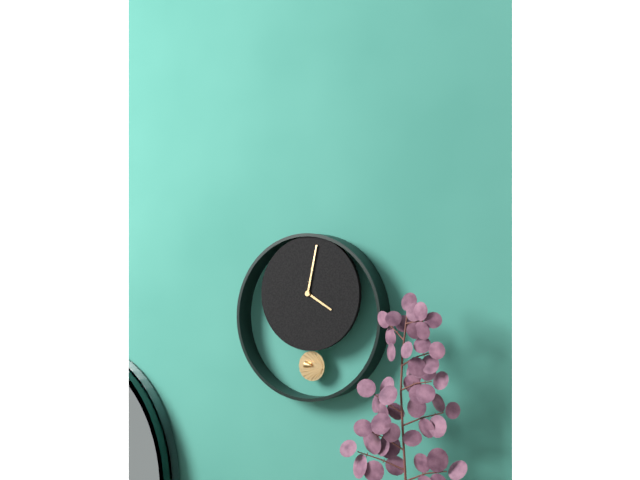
**4:02**
